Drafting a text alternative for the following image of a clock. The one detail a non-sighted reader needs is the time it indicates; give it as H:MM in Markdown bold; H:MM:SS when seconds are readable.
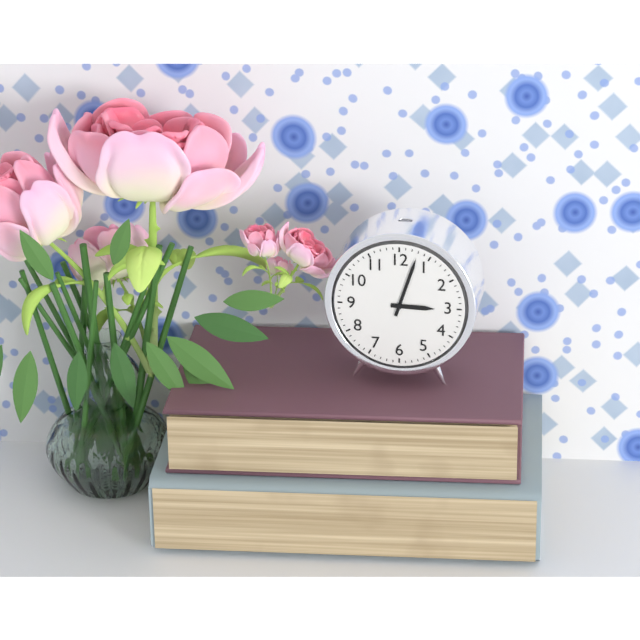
**3:03**
